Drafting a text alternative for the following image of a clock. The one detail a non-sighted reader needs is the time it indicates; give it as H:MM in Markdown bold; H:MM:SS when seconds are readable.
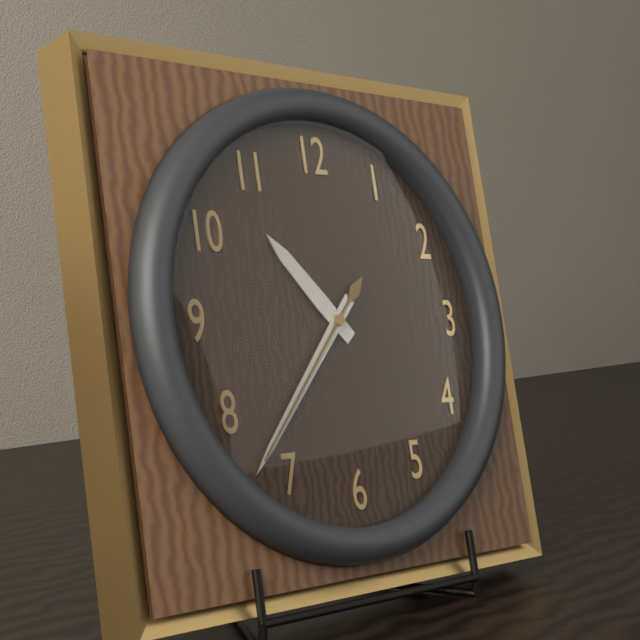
**10:37:37**
